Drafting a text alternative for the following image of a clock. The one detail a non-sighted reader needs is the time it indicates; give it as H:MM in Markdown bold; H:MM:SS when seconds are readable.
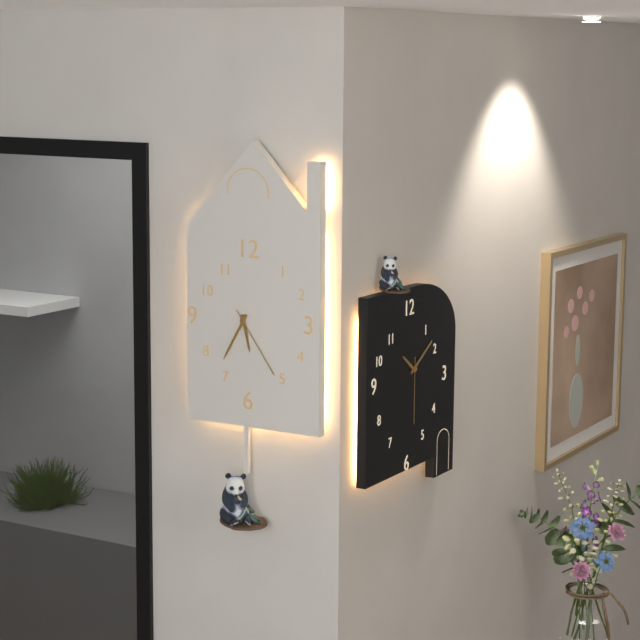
**5:35:24**
